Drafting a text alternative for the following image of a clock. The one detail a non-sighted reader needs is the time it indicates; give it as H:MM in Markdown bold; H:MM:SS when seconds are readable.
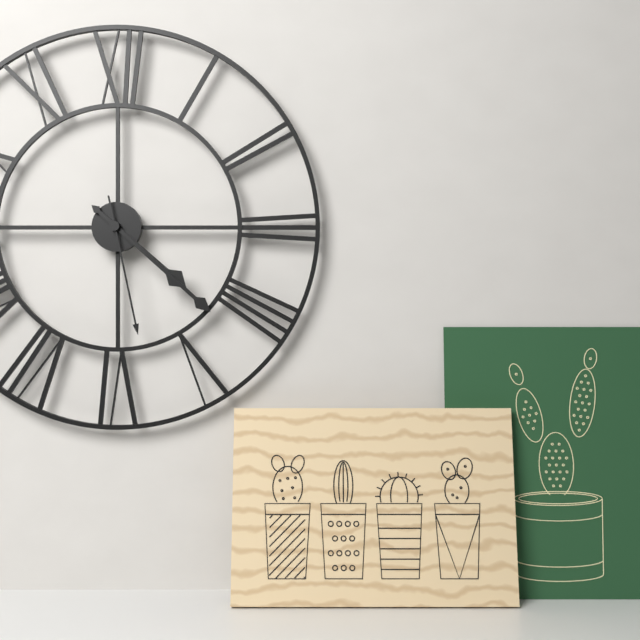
**4:22:28**
